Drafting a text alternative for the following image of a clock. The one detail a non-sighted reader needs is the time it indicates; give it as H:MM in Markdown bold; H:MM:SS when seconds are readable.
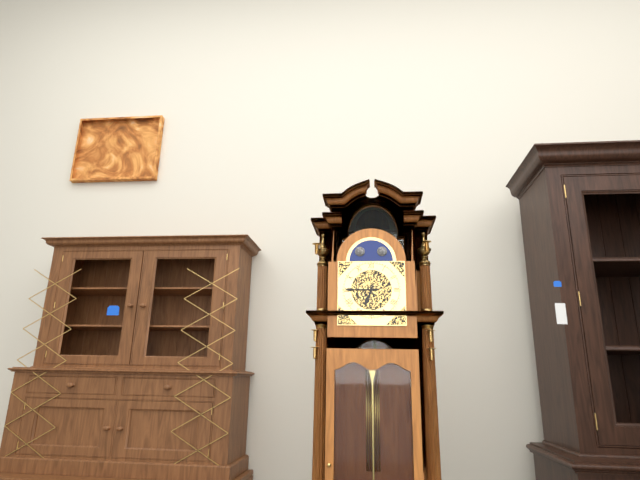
**6:45**
